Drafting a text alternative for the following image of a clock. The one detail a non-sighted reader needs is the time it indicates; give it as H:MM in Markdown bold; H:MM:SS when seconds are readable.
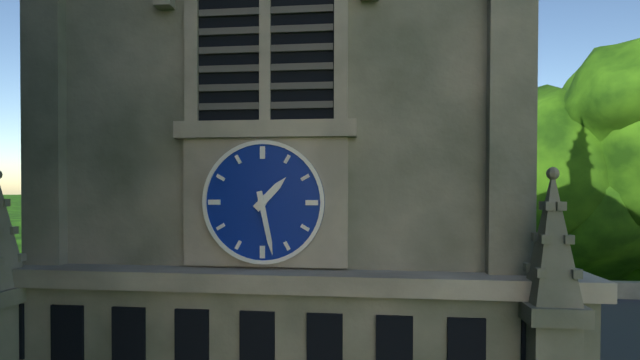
**1:28**
